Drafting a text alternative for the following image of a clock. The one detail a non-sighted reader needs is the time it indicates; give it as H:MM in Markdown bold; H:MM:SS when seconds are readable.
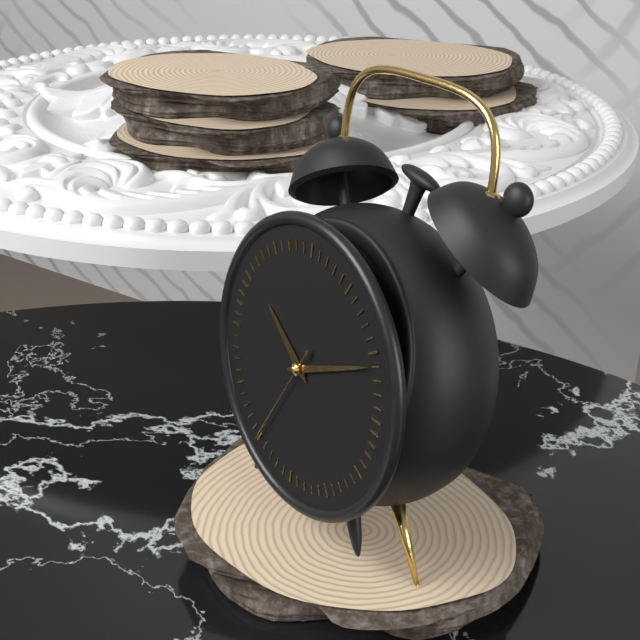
**10:11:35**
